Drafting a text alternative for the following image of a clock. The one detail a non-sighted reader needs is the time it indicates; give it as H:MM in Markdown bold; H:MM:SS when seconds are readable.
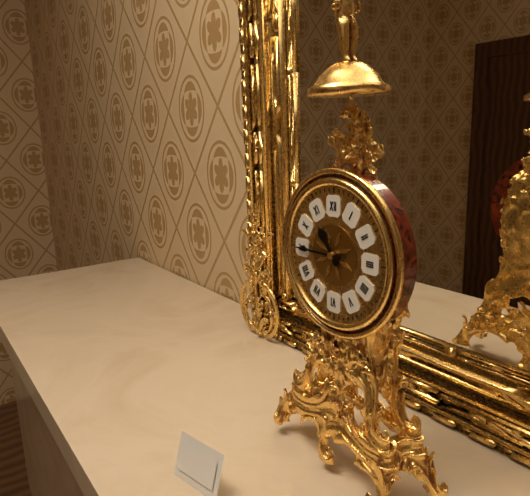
**10:45**
